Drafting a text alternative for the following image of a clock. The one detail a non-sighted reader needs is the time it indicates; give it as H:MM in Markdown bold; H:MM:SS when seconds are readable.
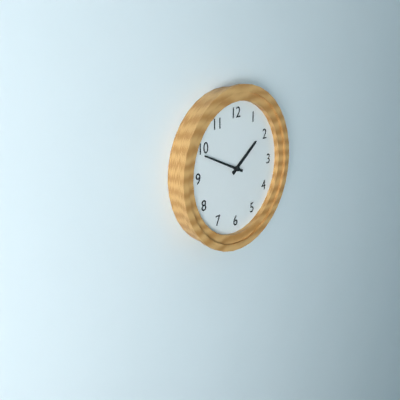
**1:49**
